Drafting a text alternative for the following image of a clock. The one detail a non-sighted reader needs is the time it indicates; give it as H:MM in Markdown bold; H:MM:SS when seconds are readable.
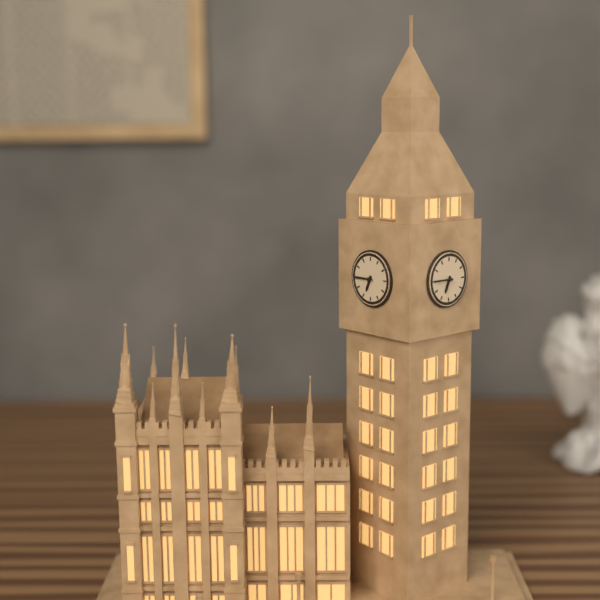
**6:45**
